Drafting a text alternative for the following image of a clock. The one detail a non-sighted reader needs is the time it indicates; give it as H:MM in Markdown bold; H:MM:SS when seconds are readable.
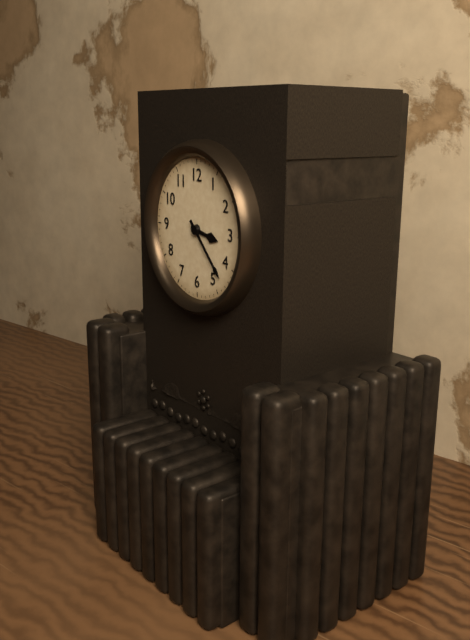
**3:23**
